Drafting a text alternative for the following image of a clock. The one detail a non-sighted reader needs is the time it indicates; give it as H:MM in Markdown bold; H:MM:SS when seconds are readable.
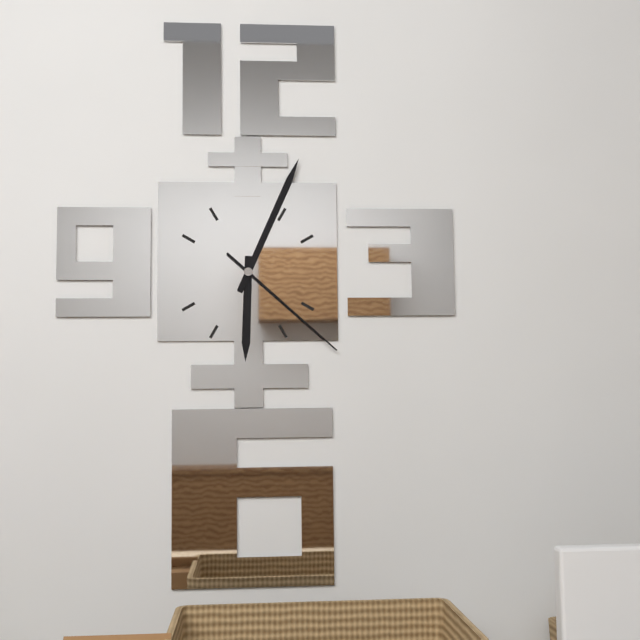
**6:04:22**
